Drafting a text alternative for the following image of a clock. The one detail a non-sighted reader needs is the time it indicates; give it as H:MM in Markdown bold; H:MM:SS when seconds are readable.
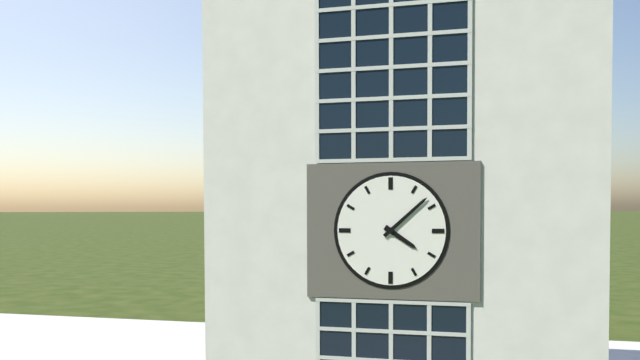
**4:08**
